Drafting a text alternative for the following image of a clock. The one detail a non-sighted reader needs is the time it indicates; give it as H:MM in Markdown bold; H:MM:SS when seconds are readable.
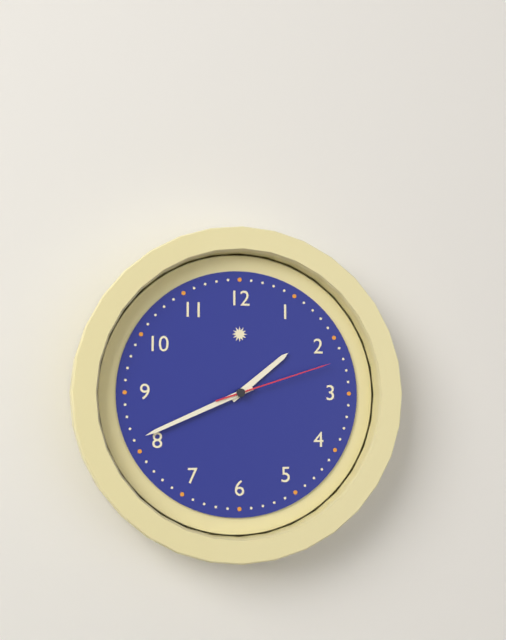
**1:41:12**
